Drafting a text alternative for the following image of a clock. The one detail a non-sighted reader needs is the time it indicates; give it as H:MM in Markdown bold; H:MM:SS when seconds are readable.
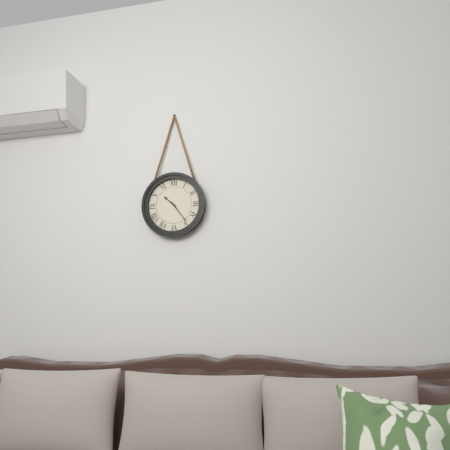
**10:24**
